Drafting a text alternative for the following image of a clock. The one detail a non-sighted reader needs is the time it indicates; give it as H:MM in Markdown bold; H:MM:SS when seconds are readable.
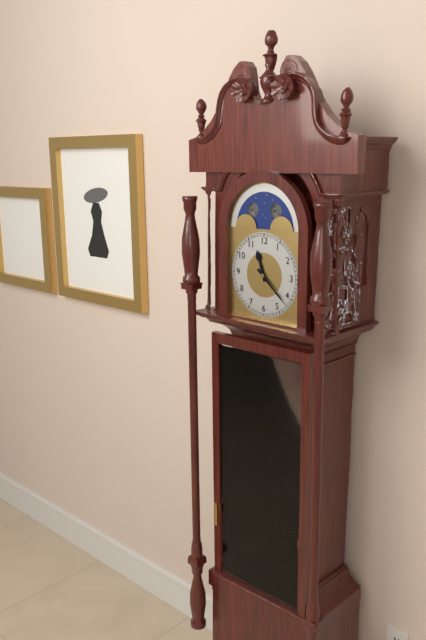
**11:22**
